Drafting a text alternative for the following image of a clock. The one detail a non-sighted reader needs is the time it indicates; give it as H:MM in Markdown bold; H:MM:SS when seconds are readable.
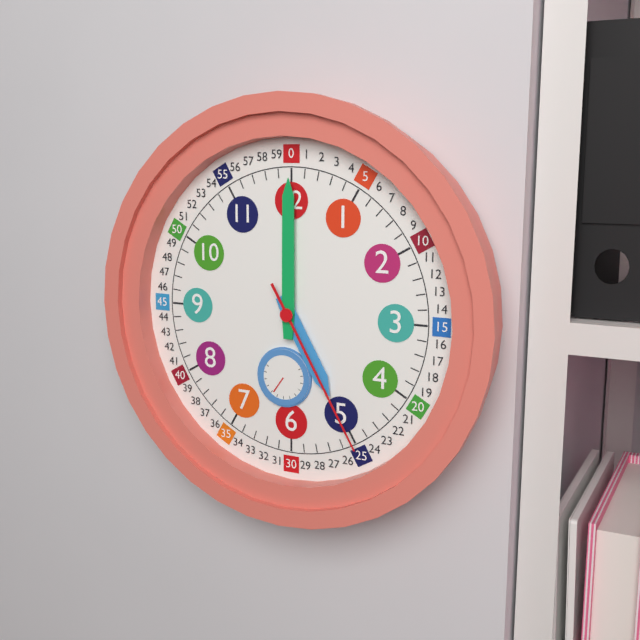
**5:00:25**
